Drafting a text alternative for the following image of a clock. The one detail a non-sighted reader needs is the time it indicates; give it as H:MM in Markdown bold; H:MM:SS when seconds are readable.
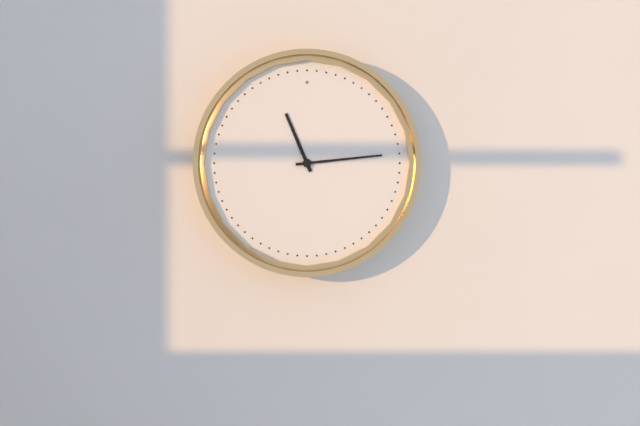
**11:14**
